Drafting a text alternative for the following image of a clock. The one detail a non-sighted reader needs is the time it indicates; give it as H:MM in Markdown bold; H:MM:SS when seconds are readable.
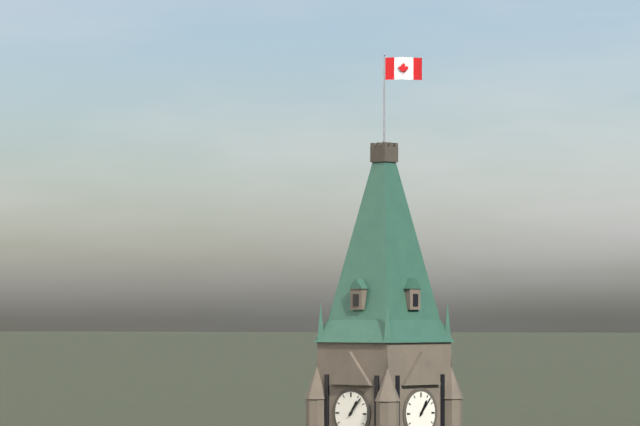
**1:07**
